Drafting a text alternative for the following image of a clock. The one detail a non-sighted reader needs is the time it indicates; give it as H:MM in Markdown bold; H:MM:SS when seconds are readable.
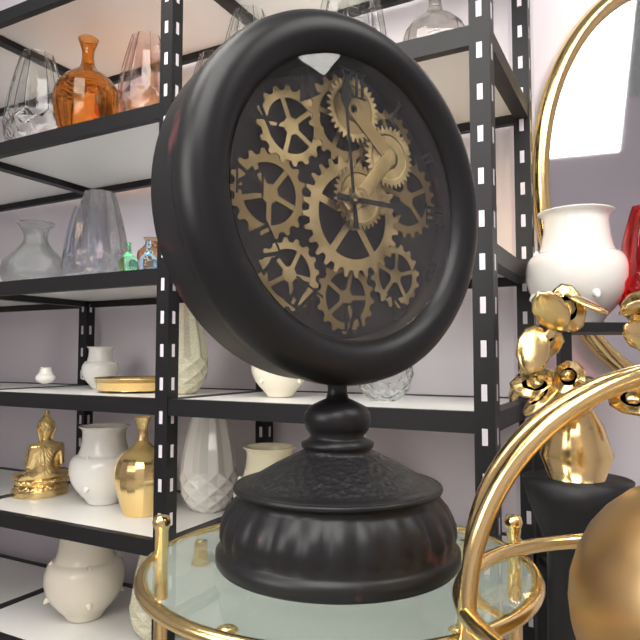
**2:59**
